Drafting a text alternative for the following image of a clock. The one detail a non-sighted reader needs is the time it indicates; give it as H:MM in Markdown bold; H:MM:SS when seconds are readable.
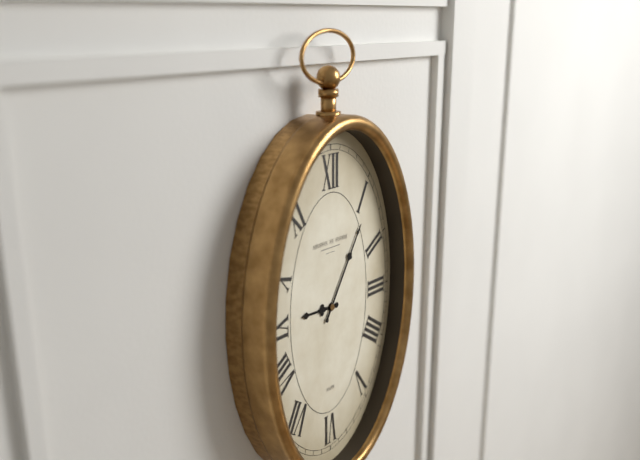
**9:06**
